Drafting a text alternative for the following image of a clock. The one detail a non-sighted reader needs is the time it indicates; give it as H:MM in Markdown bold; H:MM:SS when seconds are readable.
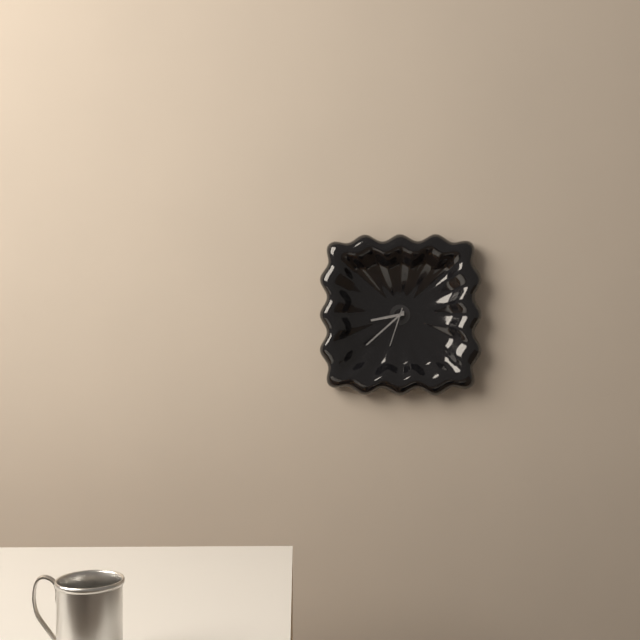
**8:38**
